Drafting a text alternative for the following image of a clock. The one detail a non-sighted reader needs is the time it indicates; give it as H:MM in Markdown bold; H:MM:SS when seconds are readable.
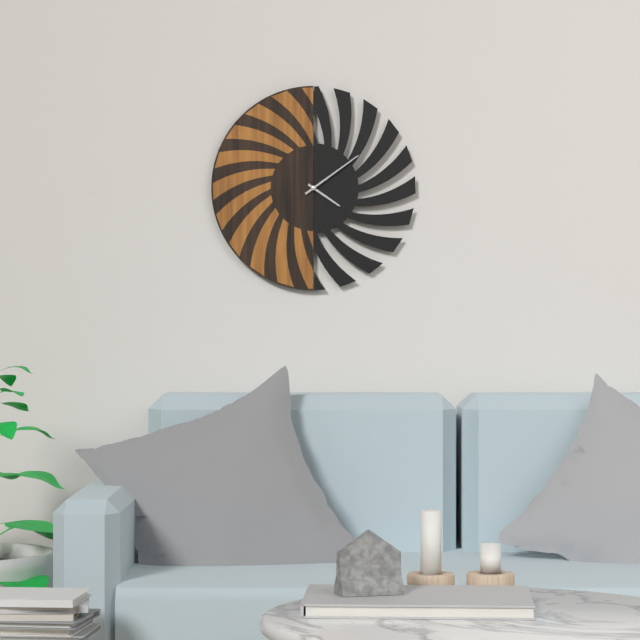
**4:09**
